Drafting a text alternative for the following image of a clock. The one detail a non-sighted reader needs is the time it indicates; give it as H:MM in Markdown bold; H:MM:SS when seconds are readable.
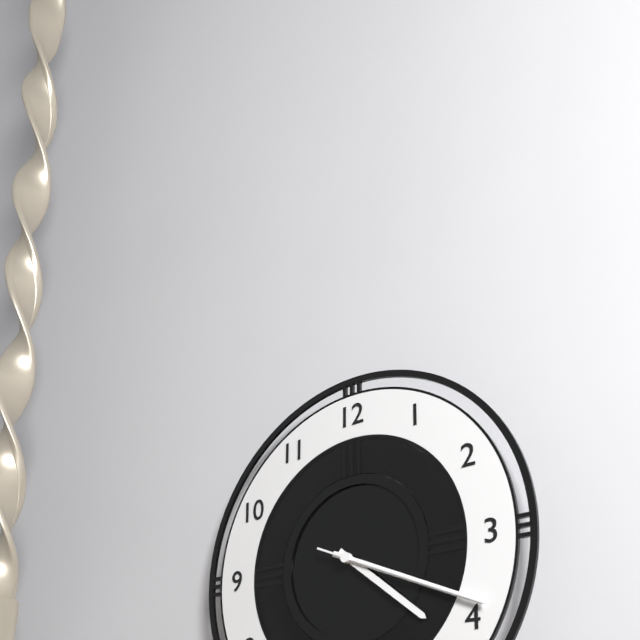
**4:19:19**
